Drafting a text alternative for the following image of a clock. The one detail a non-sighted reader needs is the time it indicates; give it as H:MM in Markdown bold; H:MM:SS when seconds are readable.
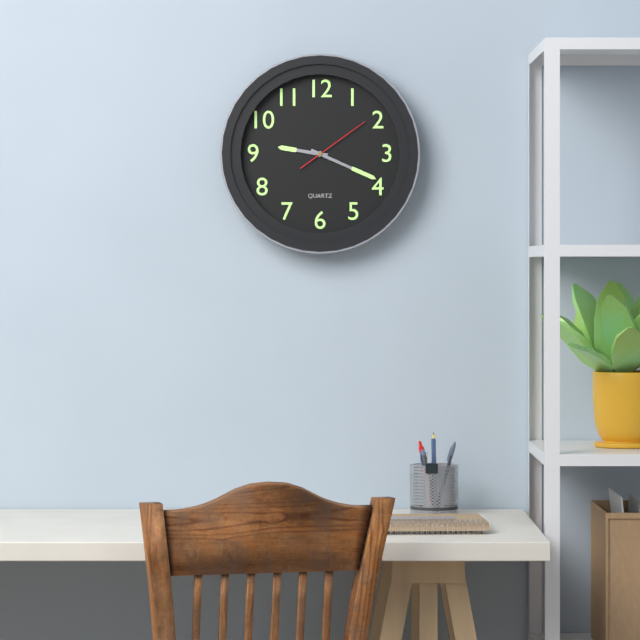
**9:19:09**
